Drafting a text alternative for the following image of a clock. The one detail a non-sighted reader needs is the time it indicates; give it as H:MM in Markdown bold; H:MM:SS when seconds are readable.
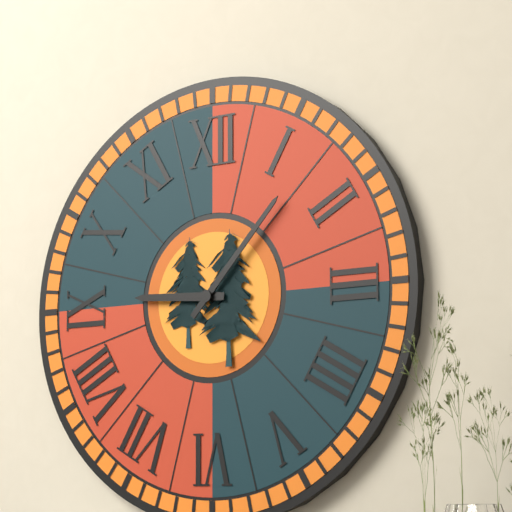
**9:07**
